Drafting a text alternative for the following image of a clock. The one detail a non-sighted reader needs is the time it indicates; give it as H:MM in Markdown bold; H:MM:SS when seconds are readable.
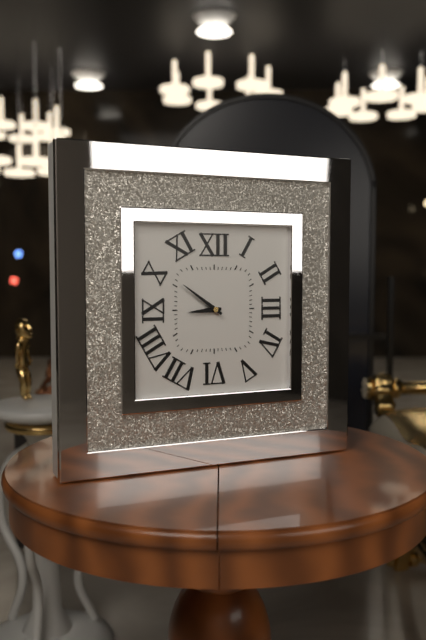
**8:51**
